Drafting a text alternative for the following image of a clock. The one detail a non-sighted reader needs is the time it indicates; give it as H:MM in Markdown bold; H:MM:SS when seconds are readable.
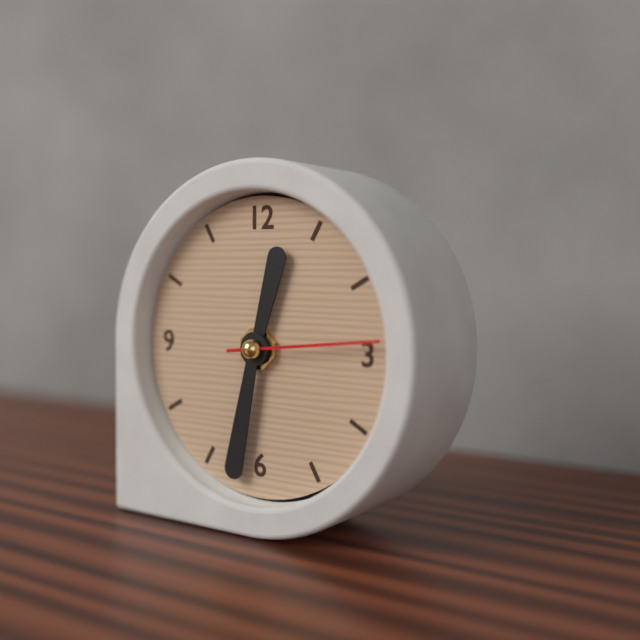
**12:32:14**
